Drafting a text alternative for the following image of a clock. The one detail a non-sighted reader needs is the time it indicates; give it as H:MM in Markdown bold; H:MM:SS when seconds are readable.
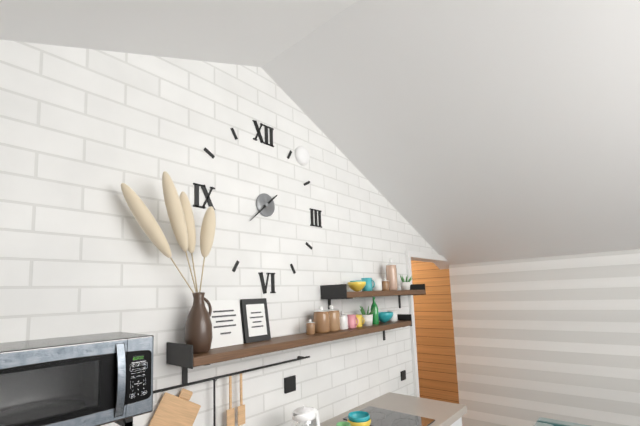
**1:38**
